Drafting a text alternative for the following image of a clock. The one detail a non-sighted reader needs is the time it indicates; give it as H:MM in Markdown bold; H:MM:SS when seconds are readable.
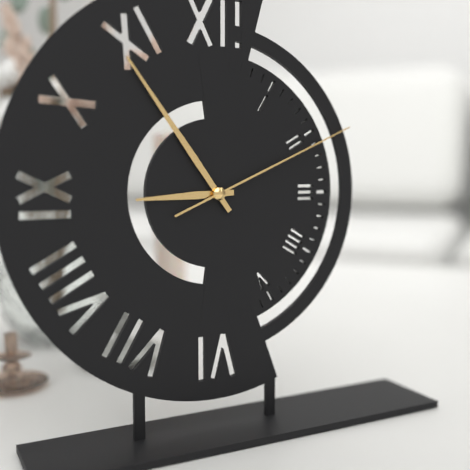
**8:54:11**
